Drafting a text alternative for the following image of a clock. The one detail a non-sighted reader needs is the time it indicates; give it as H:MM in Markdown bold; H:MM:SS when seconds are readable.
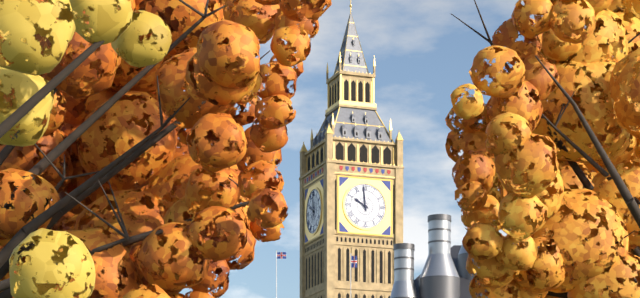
**9:59**
